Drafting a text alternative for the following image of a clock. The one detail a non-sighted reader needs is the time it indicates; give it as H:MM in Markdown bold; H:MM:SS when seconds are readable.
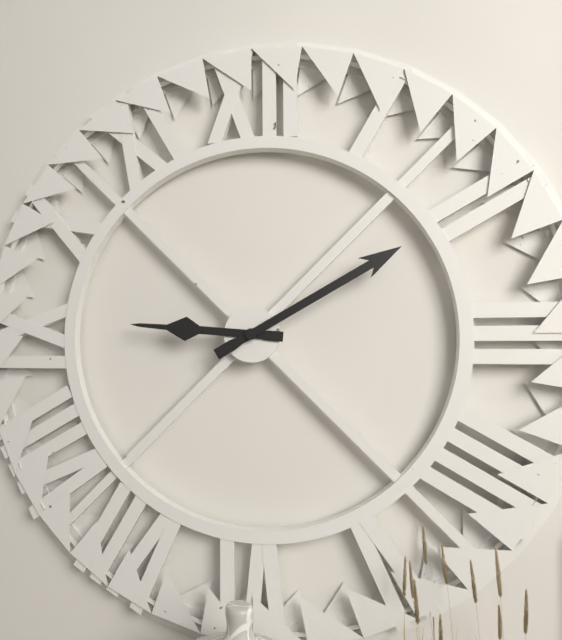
**9:10**
